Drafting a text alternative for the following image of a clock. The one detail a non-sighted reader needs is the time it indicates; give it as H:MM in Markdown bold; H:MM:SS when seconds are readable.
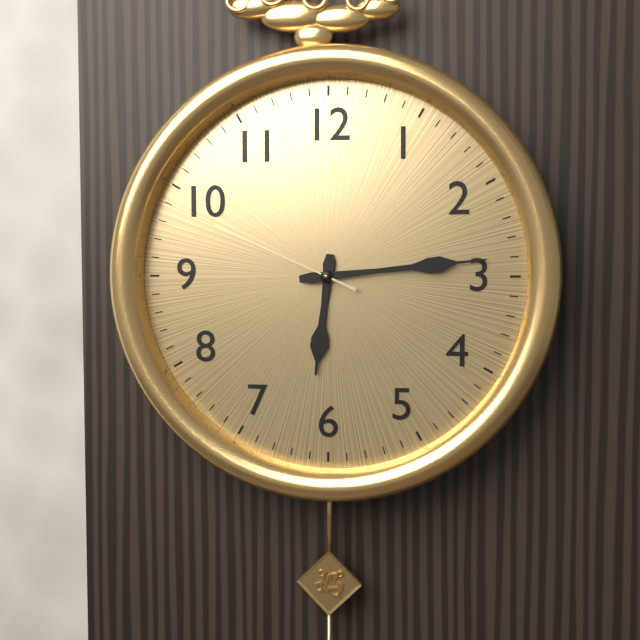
**6:14:49**
